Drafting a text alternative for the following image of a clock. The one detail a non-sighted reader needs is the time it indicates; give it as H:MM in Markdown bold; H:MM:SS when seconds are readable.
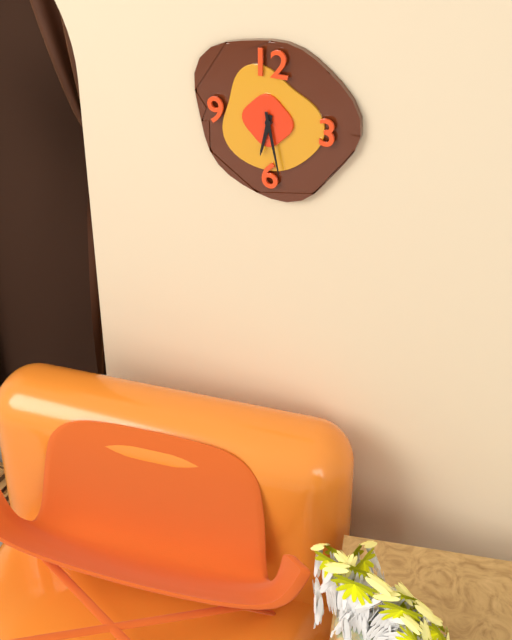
**6:28**
